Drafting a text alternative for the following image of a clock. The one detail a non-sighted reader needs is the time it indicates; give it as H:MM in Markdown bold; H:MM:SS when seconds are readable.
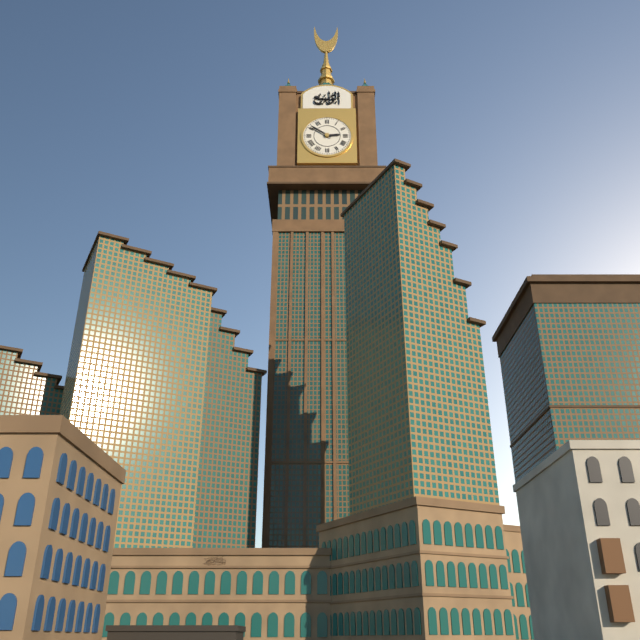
**2:51**
